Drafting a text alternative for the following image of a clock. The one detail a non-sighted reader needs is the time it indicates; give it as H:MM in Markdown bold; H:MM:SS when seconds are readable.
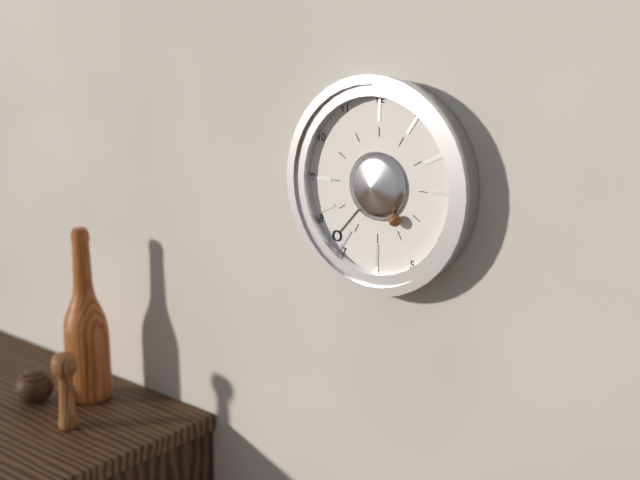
**4:37**
